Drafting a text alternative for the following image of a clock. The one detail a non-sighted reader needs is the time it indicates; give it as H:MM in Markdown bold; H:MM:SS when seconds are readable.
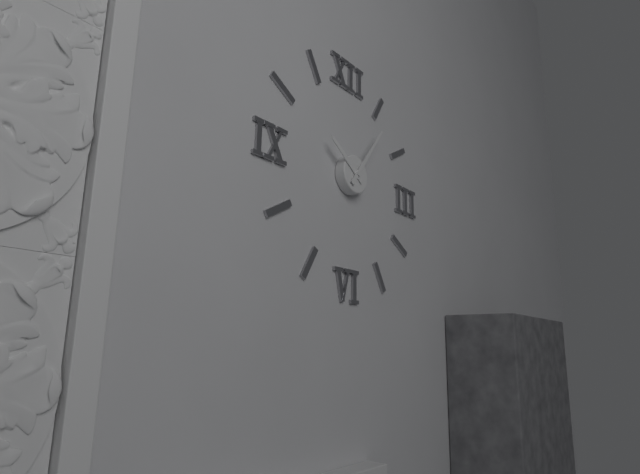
**10:06**
